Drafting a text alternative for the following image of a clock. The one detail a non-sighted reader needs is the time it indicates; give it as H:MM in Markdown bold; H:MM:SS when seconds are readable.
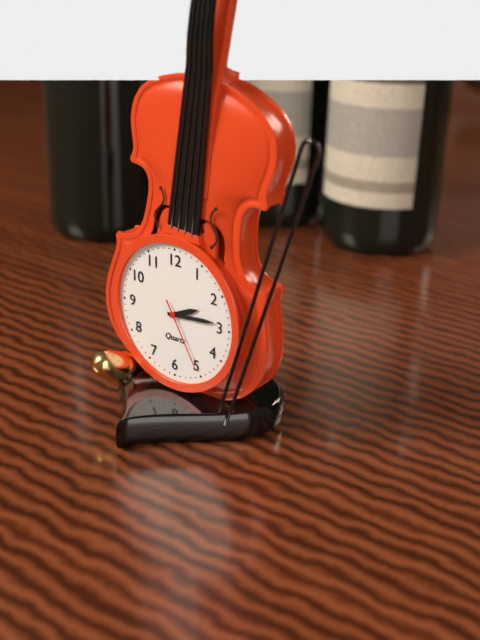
**2:14:25**
